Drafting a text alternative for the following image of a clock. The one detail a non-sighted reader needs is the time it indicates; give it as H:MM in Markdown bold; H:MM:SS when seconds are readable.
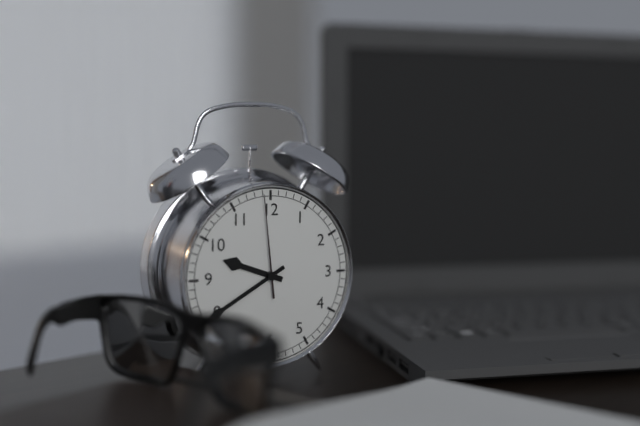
**9:40:59**
